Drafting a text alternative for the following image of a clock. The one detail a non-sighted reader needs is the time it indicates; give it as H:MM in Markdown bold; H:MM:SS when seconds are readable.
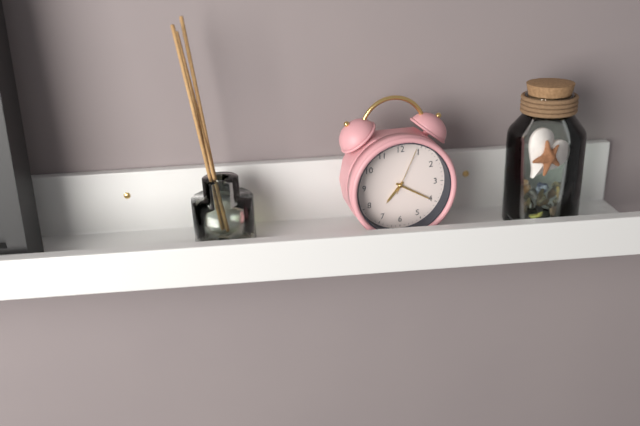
**7:20**
